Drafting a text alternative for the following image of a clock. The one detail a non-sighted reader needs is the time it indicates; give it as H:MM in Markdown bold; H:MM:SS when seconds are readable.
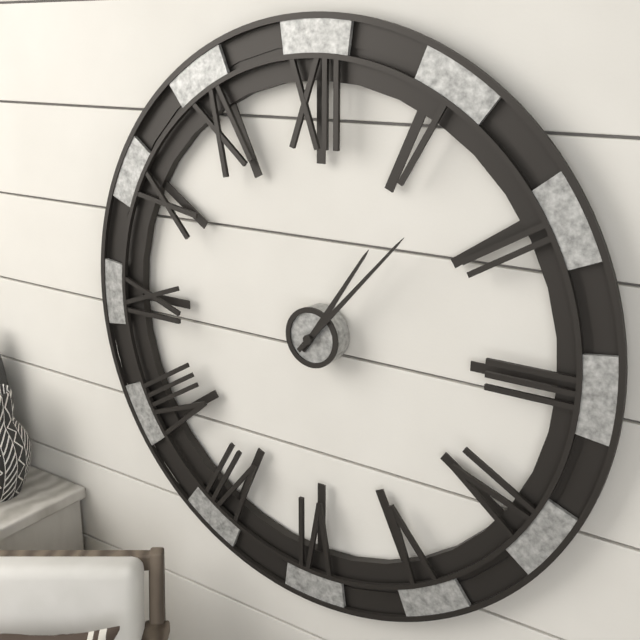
**1:07**
